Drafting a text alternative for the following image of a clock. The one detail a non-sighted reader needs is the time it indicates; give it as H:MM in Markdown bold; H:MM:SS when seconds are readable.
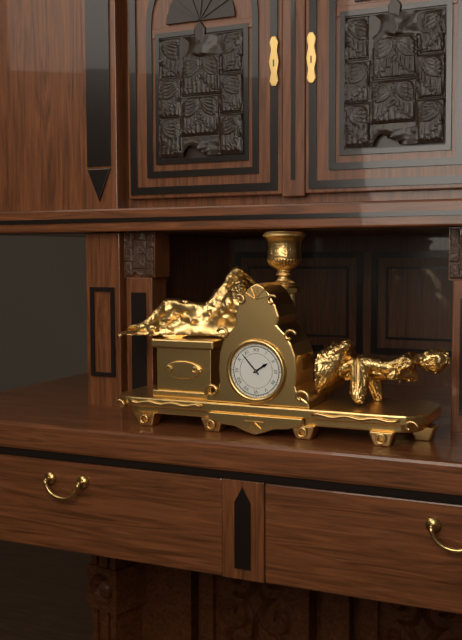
**1:53**
